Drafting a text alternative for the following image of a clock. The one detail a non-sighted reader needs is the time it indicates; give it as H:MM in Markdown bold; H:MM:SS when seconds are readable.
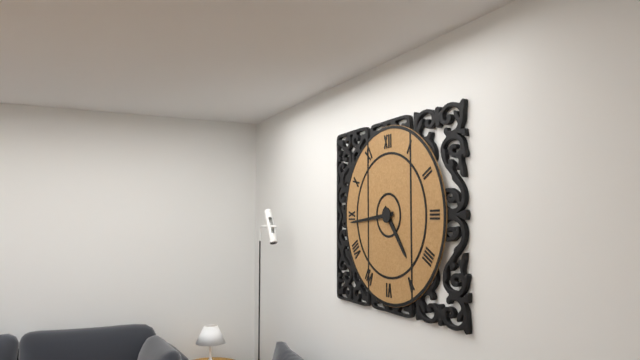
**4:44**
